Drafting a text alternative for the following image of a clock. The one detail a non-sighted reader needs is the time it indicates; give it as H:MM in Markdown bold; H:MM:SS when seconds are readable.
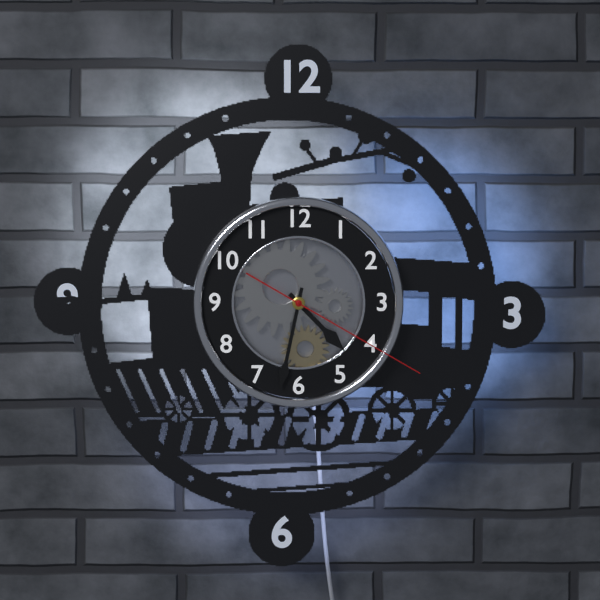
**4:32:20**
